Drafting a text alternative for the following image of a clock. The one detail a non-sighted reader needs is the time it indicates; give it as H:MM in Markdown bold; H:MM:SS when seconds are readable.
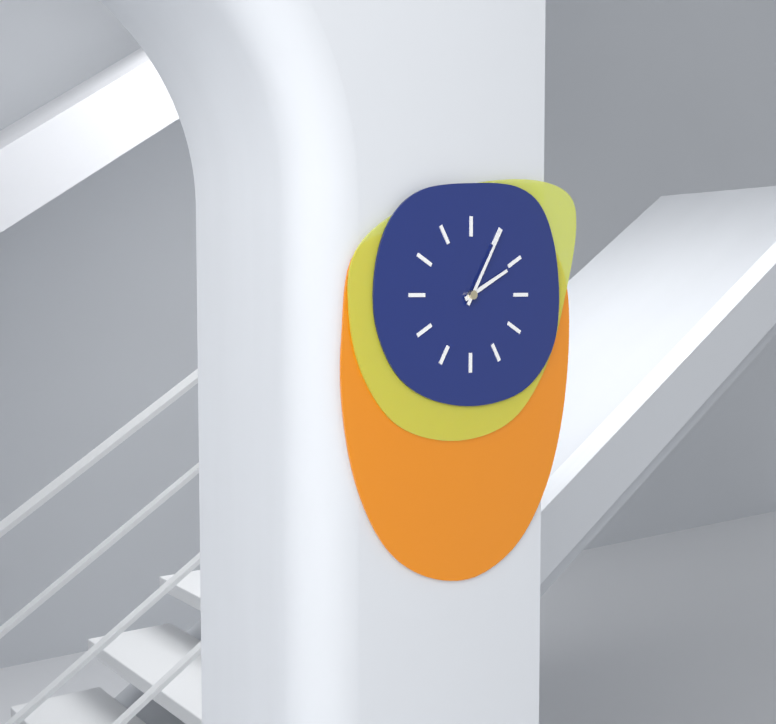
**2:05**
